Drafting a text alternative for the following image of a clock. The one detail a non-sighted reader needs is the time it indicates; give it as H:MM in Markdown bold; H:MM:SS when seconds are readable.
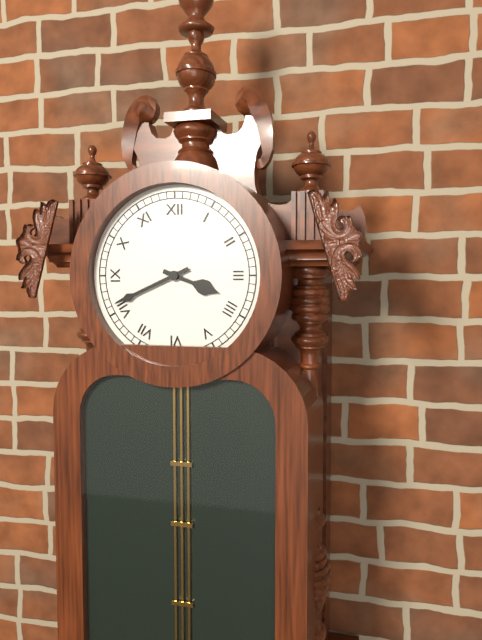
**3:41**
